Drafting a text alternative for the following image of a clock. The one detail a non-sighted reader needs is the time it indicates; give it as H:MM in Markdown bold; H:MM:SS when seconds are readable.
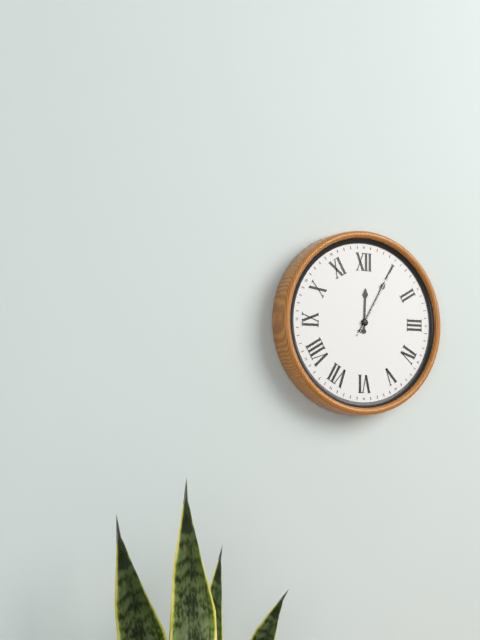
**12:05:05**
